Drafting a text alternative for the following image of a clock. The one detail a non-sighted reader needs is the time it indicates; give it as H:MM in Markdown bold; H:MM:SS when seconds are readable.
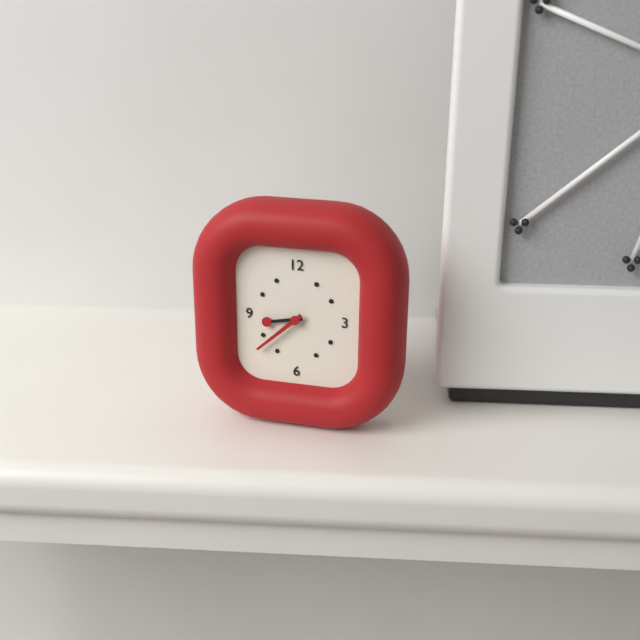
**8:38**
